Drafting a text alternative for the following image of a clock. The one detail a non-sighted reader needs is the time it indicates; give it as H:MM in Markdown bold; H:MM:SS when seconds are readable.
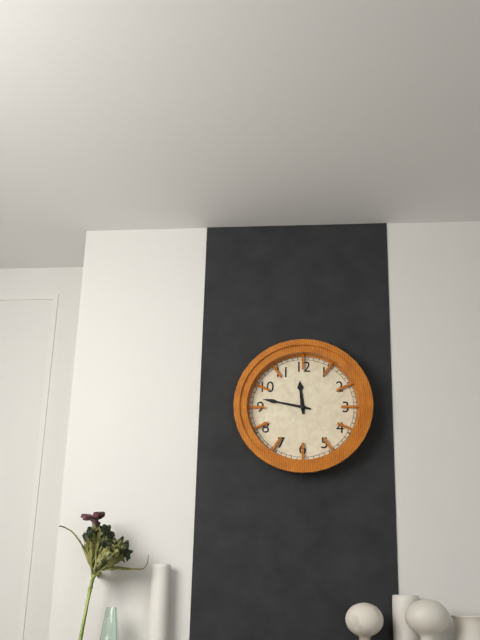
**11:47**
